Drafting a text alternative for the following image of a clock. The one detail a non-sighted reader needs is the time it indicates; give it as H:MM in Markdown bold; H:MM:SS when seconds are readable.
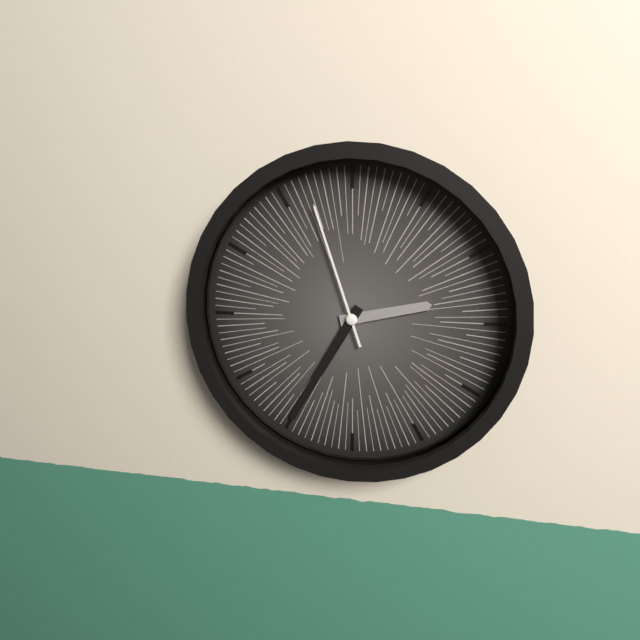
**2:35:57**
